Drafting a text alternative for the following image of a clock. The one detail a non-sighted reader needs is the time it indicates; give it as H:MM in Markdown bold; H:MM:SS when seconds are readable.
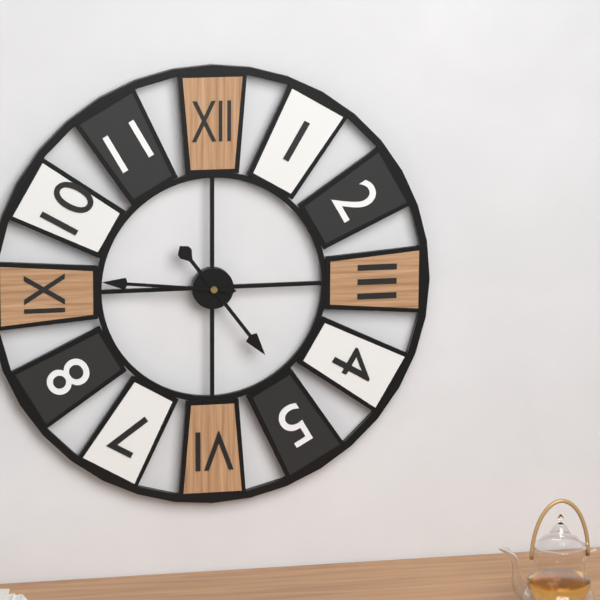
**4:46**
